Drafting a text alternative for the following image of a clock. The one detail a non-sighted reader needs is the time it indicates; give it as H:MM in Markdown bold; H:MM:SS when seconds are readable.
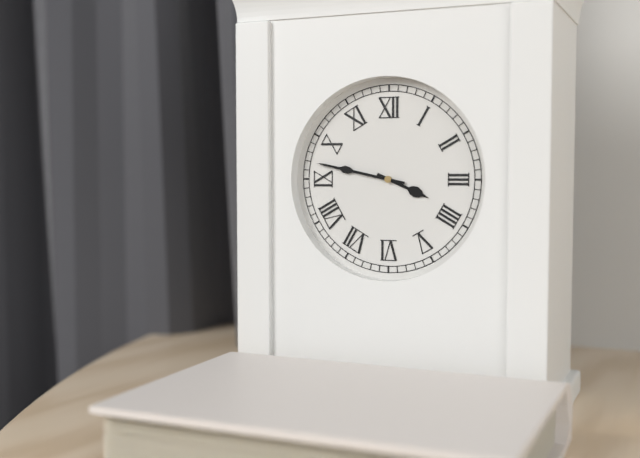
**3:47**
